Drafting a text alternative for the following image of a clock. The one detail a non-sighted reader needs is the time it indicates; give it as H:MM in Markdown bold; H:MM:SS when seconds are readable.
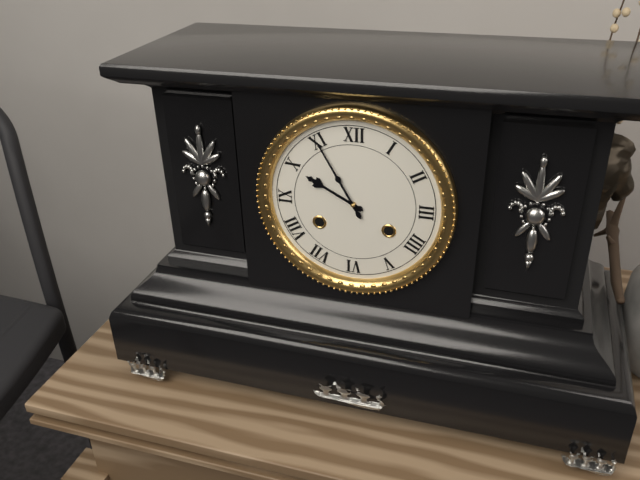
**9:55**
